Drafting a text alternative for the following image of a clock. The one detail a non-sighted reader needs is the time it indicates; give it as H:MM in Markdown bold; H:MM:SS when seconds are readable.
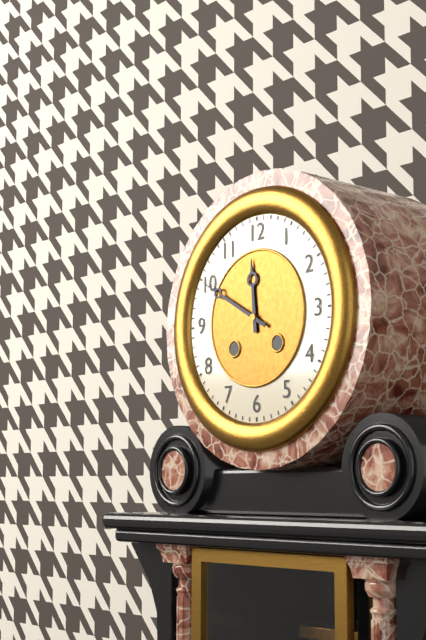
**11:50**
